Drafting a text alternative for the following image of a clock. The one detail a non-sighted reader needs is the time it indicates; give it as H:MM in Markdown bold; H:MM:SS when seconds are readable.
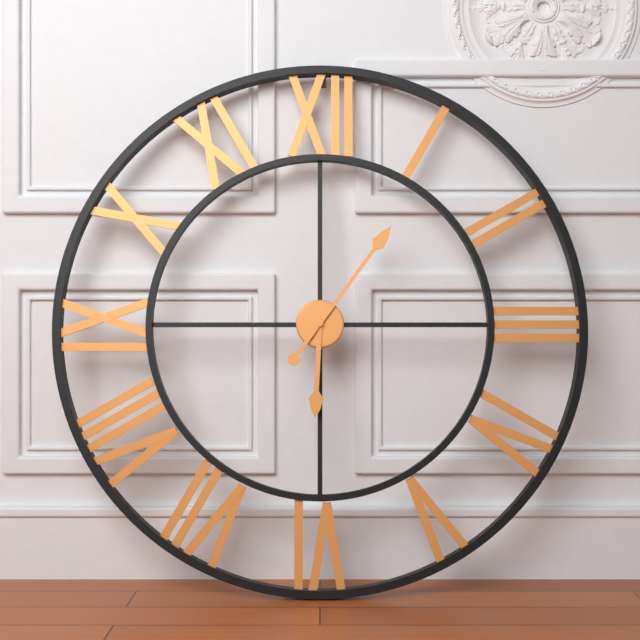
**6:06**
